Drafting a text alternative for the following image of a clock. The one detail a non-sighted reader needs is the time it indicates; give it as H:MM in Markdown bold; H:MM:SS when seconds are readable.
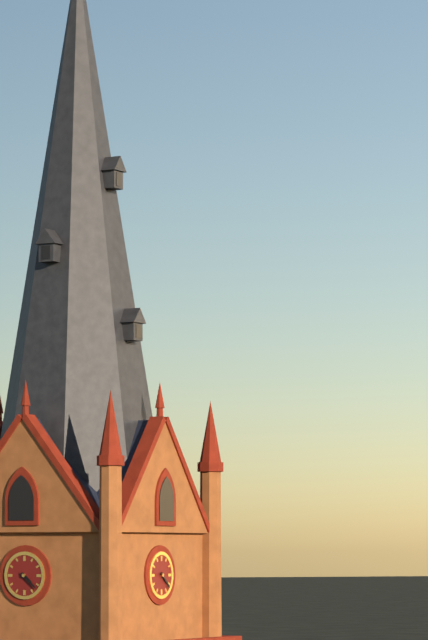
**4:22**
